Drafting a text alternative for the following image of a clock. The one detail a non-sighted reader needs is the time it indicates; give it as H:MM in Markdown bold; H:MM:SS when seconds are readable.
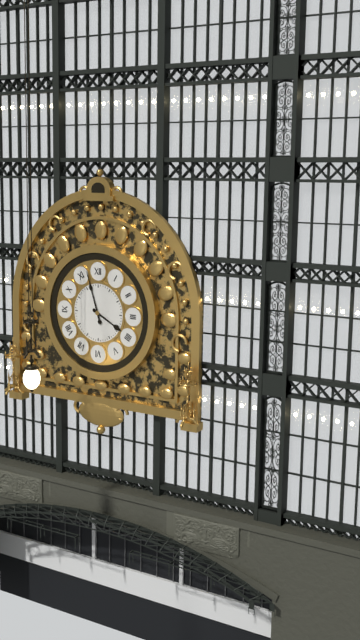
**3:57**
